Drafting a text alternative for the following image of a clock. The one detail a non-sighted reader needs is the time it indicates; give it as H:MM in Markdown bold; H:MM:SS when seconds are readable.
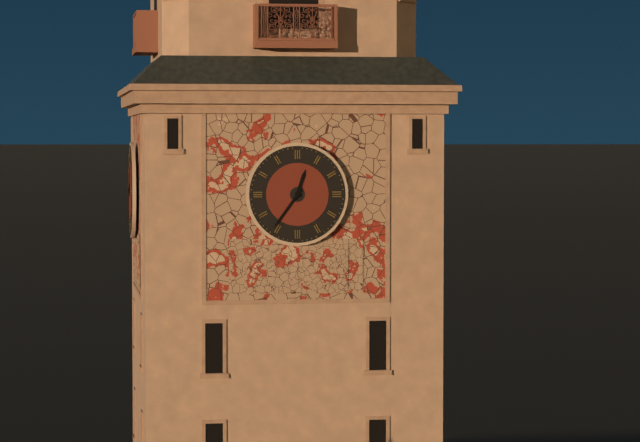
**12:36**
